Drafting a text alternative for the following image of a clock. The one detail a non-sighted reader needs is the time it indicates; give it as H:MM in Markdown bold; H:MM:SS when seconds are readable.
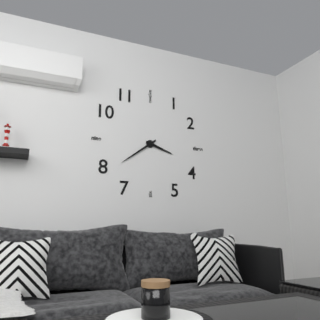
**3:39**
